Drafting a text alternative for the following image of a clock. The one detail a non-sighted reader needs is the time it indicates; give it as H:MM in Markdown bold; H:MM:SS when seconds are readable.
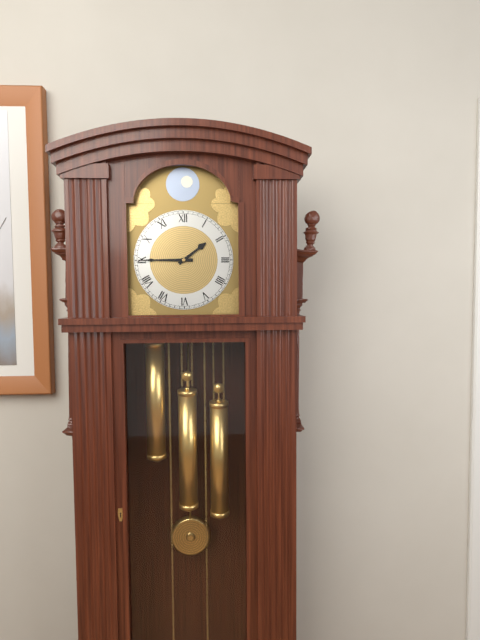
**1:45**
